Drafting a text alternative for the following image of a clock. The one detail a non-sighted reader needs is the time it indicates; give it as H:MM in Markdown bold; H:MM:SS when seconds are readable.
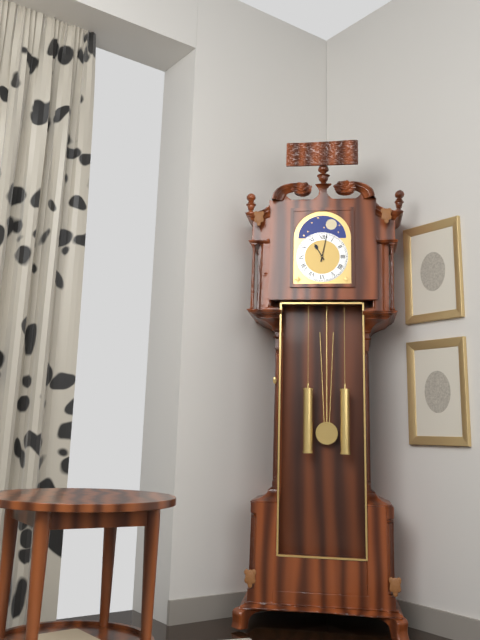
**11:02**
